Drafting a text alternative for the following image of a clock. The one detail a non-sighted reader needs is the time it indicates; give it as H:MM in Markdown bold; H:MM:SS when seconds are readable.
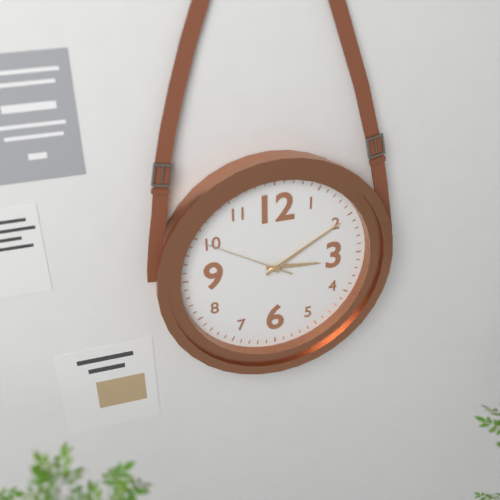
**3:10:50**
